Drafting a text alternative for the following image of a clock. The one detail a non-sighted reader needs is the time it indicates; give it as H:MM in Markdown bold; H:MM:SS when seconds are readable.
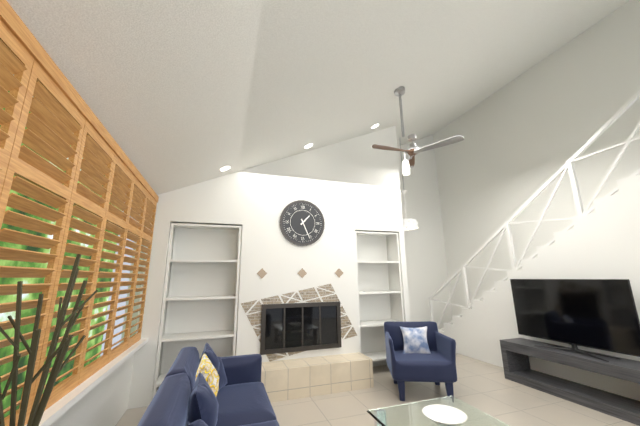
**1:26**
